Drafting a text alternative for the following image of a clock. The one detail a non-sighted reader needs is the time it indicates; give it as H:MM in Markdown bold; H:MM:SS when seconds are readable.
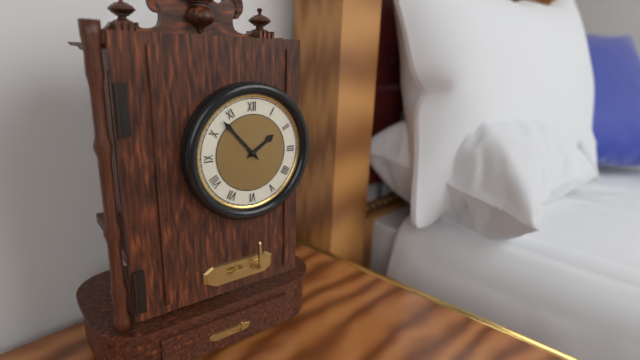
**1:53**
